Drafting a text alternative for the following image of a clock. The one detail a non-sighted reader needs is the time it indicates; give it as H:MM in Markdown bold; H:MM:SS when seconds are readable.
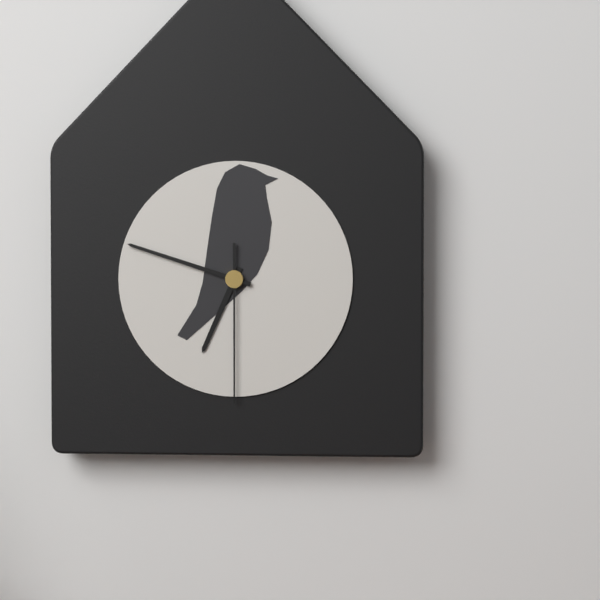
**6:48:30**
